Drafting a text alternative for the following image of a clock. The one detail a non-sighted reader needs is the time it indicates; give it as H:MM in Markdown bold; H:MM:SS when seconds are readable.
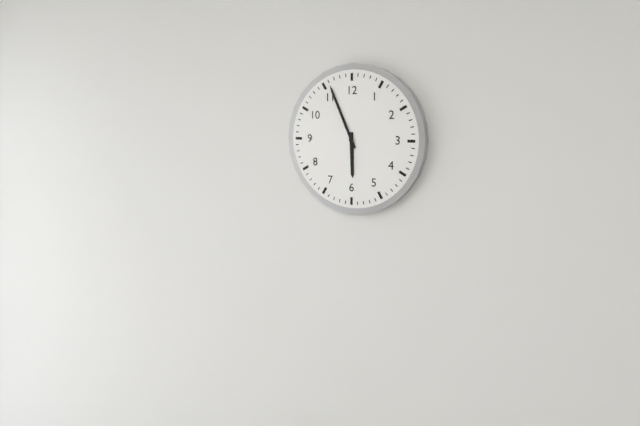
**5:56**
